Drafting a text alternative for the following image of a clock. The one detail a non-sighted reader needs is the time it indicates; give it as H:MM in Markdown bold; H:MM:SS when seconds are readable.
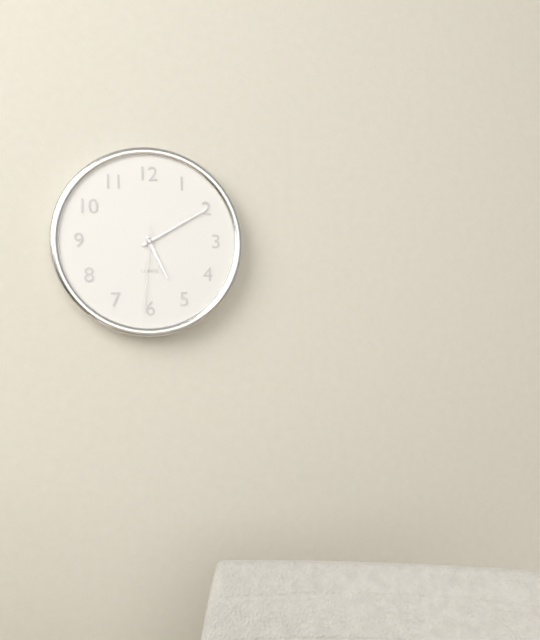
**5:10:31**
